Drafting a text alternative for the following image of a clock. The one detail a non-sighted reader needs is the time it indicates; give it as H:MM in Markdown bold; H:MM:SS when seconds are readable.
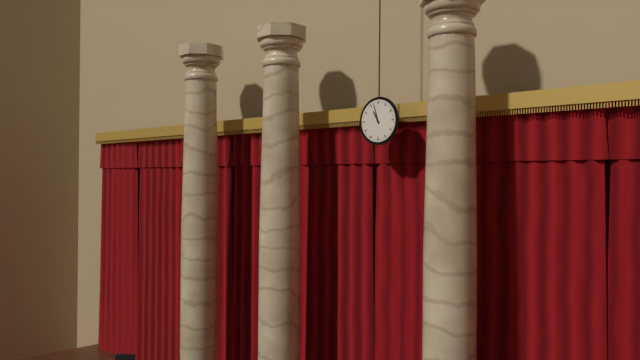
**10:57**
